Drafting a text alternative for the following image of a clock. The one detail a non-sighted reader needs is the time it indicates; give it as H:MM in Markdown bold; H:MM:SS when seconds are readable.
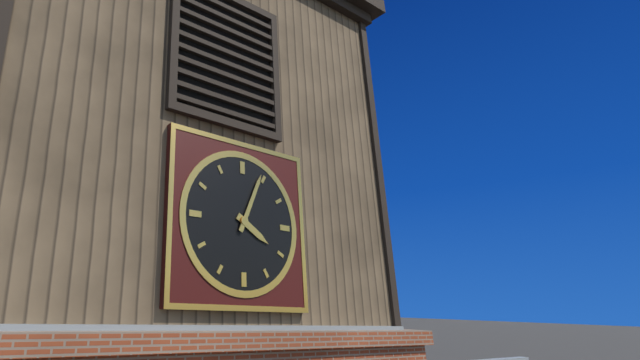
**4:04**
